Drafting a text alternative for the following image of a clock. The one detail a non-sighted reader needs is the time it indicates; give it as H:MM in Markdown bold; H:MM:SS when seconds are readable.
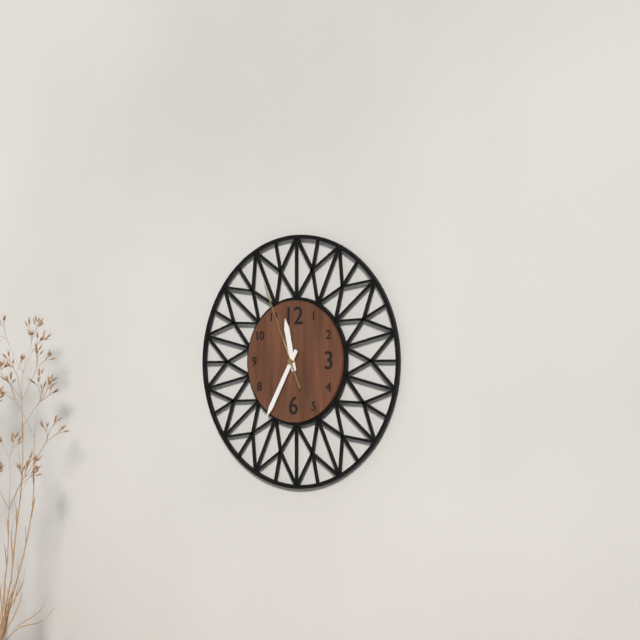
**11:35:56**
